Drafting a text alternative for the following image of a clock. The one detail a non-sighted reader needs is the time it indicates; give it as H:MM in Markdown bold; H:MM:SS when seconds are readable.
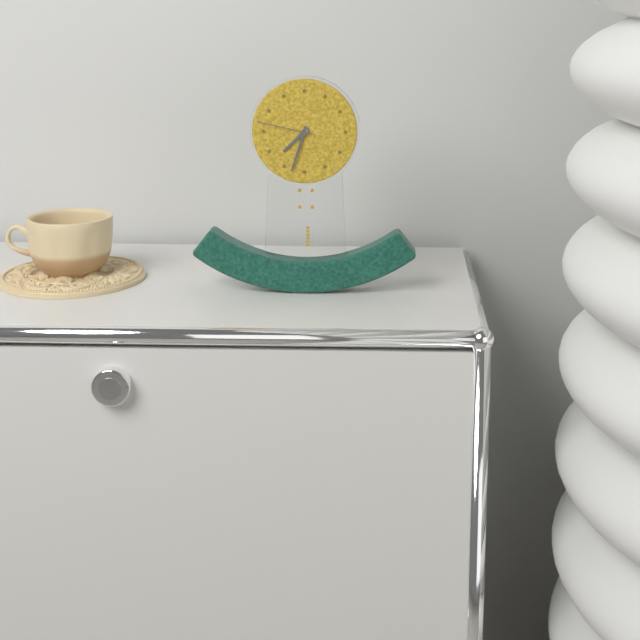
**7:33:47**
